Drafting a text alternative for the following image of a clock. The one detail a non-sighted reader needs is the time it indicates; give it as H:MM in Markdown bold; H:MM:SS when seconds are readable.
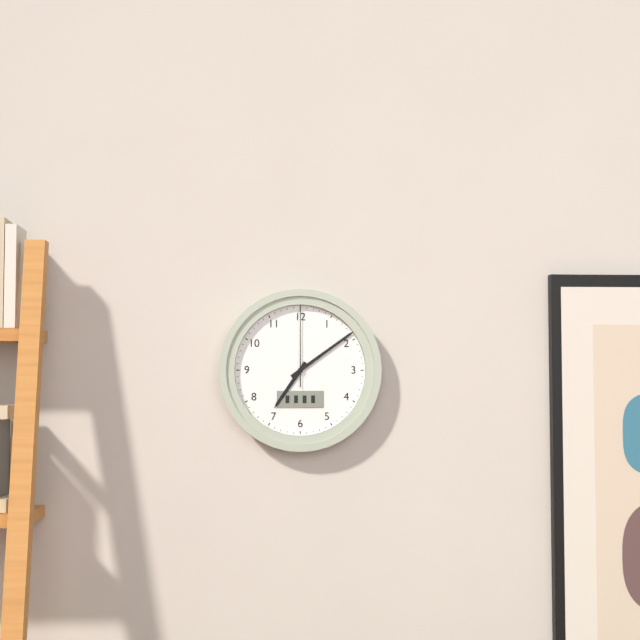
**7:09:00**
